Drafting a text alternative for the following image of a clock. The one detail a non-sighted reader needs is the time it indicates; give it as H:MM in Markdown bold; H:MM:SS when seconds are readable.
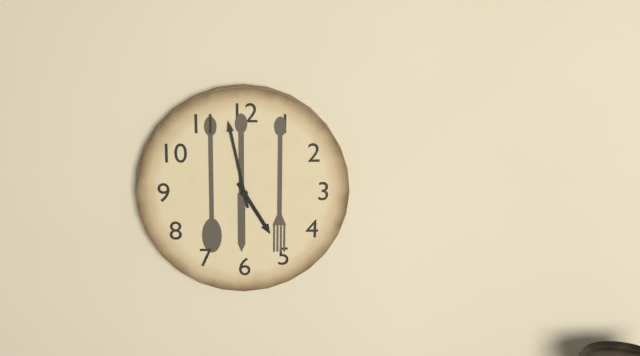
**4:58**
